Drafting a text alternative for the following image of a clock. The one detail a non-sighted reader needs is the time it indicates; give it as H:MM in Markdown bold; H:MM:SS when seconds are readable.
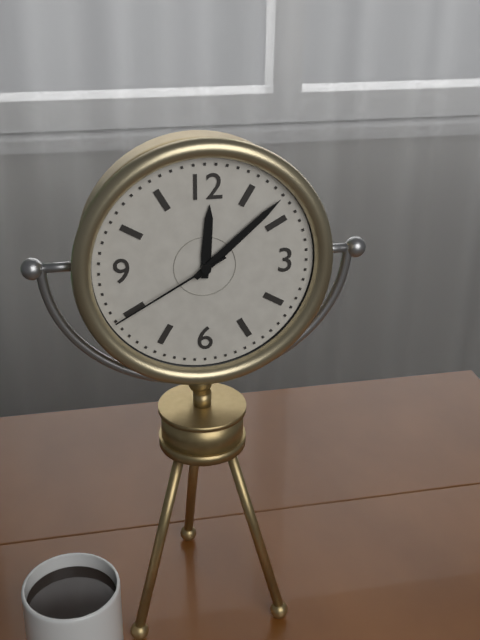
**12:08:40**
